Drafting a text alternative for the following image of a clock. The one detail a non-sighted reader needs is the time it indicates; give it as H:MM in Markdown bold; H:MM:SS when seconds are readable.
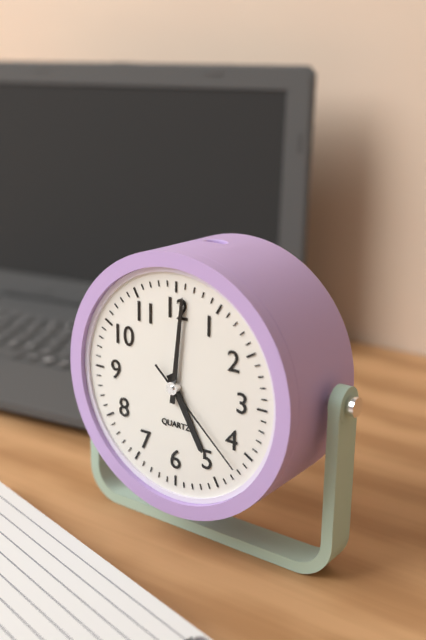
**5:01:22**
